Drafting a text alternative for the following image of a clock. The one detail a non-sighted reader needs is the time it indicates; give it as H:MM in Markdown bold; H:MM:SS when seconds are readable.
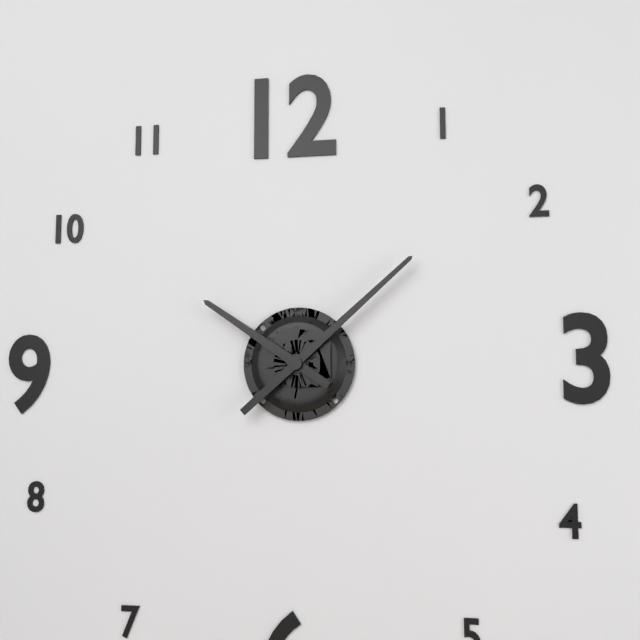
**10:08**
